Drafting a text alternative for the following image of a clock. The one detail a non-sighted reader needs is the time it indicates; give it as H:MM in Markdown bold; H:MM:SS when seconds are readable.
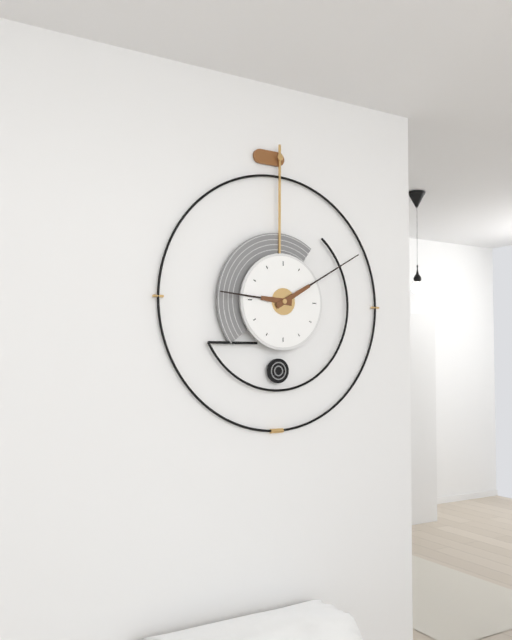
**9:10**
